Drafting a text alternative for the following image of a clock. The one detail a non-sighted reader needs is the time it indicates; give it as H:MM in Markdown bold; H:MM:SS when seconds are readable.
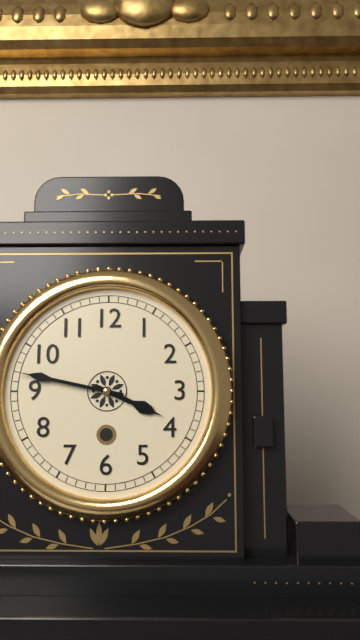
**3:47**
